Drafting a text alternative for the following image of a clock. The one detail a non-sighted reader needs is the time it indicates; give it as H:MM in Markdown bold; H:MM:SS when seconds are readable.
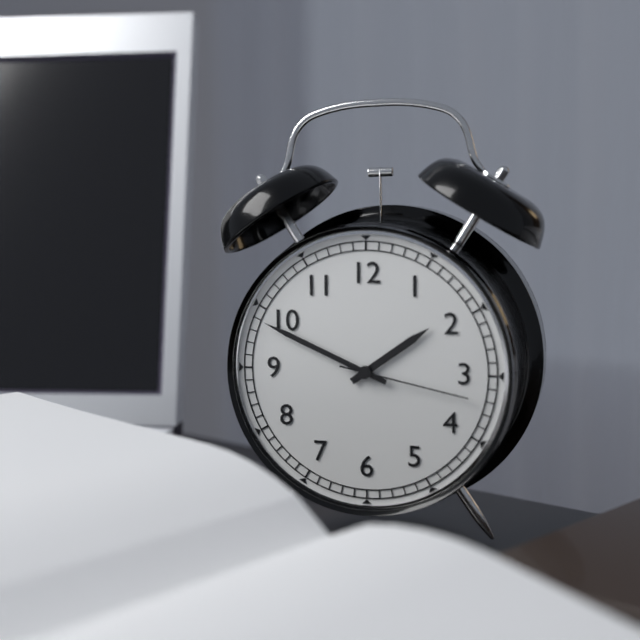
**1:49:17**
